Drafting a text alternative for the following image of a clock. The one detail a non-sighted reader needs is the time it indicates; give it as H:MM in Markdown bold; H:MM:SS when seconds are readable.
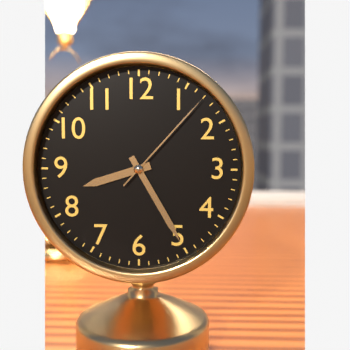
**8:25:07**
